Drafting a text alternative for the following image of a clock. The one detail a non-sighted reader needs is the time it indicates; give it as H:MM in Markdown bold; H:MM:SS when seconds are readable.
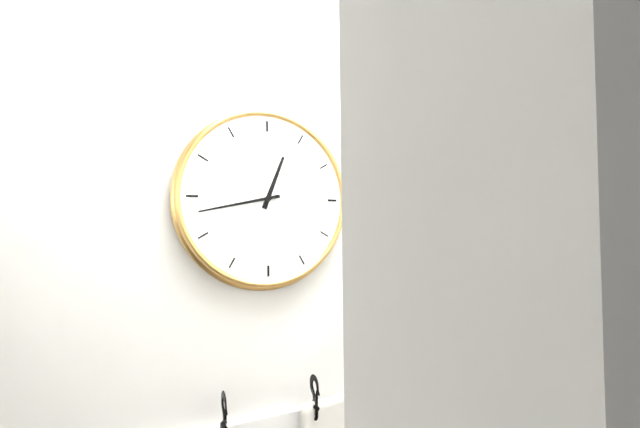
**12:43**
